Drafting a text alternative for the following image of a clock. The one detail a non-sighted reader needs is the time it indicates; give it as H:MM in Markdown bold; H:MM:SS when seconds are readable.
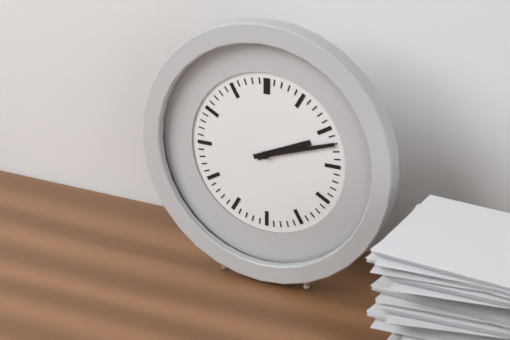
**2:12**
